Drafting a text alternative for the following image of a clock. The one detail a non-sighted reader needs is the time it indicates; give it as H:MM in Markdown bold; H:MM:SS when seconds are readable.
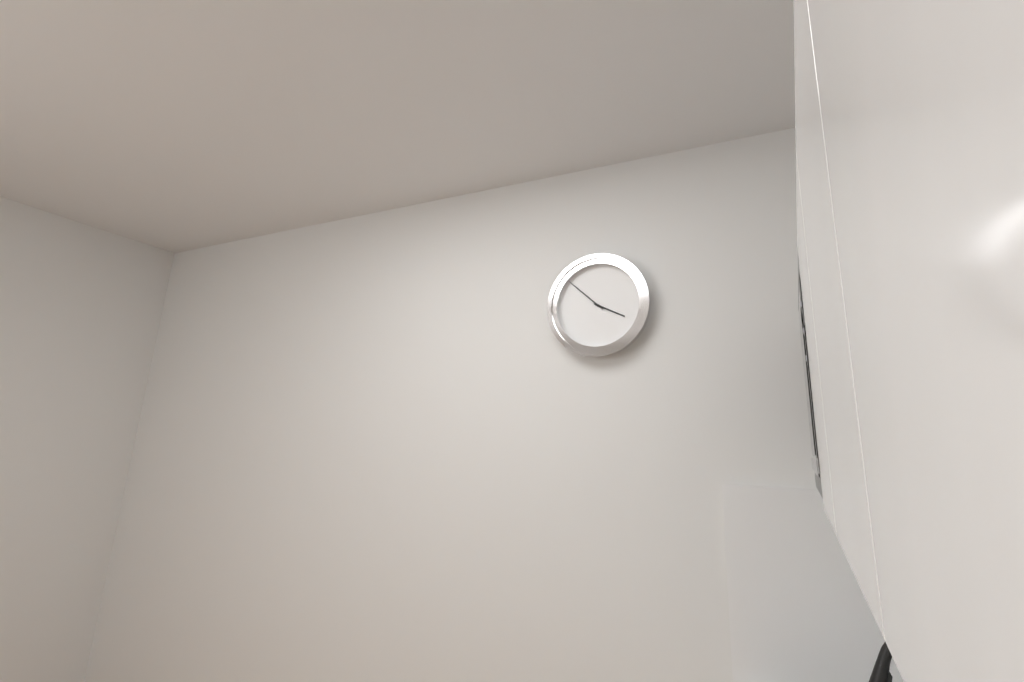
**3:52**
